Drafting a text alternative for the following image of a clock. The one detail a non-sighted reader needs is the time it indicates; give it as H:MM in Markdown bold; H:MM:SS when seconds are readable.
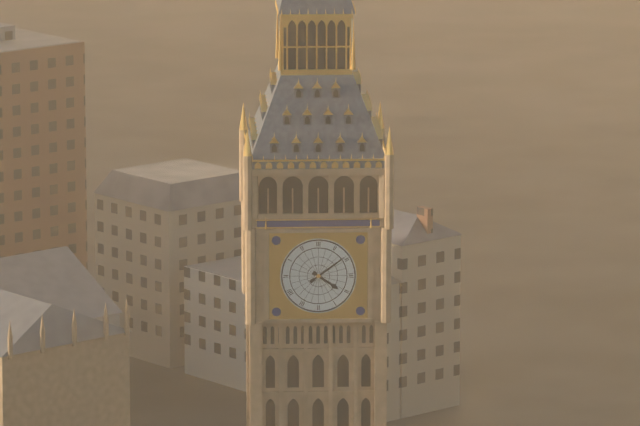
**4:09**
